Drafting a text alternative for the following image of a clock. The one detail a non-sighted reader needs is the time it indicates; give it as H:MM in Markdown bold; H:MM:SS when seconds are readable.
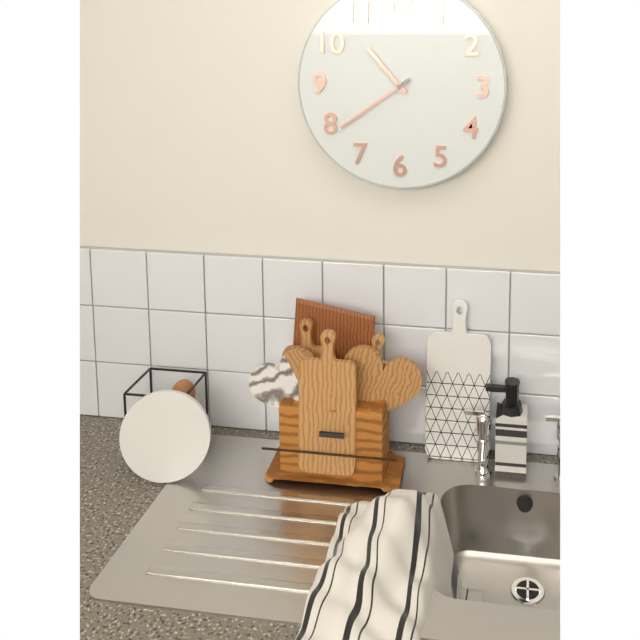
**10:39**
